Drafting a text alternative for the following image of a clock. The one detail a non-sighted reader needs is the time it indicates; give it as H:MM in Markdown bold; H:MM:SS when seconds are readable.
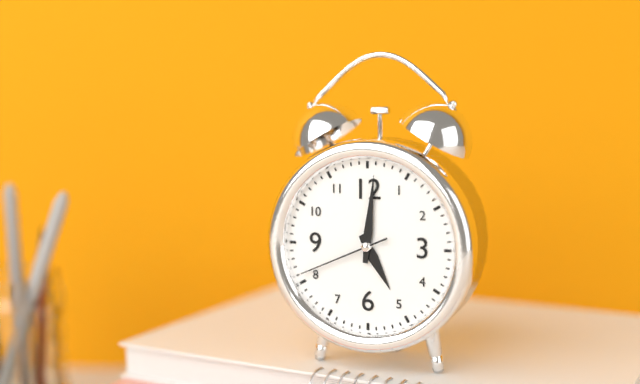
**5:01:41**
